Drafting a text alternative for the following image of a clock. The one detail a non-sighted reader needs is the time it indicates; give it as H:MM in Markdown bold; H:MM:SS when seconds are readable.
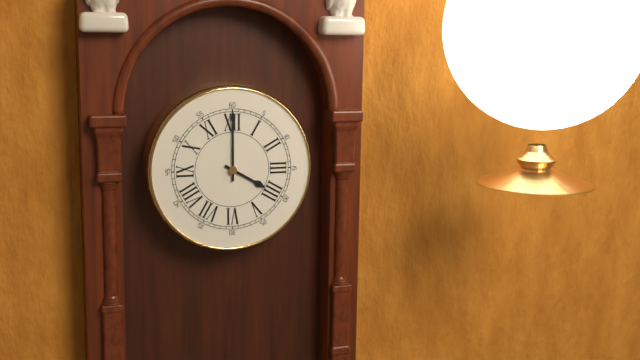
**4:00**
